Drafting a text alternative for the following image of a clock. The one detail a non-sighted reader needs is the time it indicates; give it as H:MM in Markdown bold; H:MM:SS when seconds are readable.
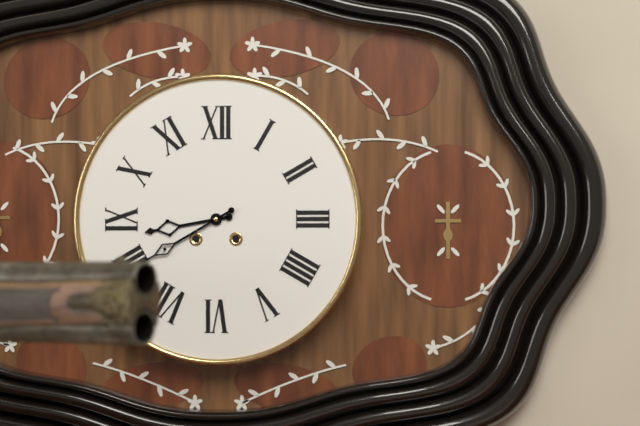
**8:40**
